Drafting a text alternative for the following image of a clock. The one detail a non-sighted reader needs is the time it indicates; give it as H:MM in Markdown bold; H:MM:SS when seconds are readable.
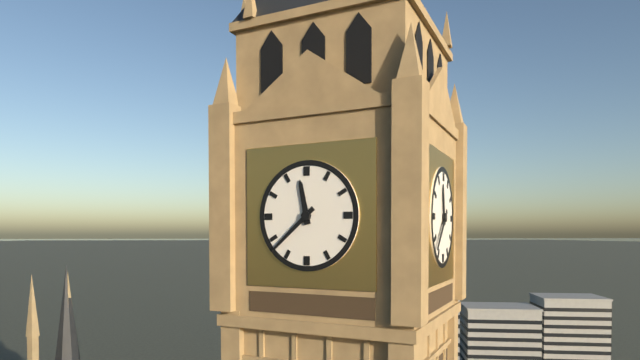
**11:38**
